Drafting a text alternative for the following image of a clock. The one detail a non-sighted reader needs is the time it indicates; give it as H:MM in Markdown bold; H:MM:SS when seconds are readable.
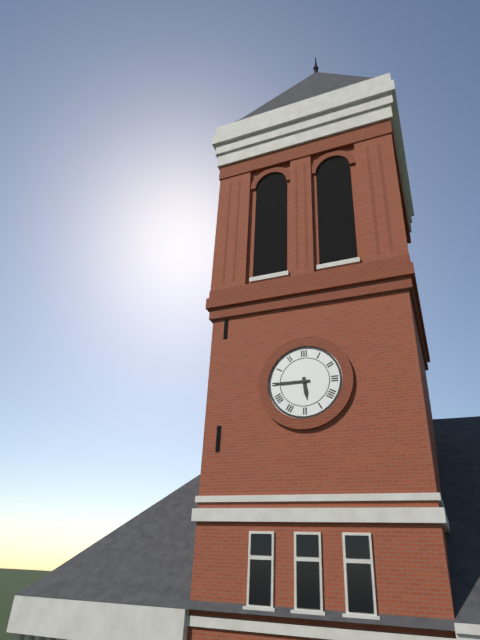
**5:45**
